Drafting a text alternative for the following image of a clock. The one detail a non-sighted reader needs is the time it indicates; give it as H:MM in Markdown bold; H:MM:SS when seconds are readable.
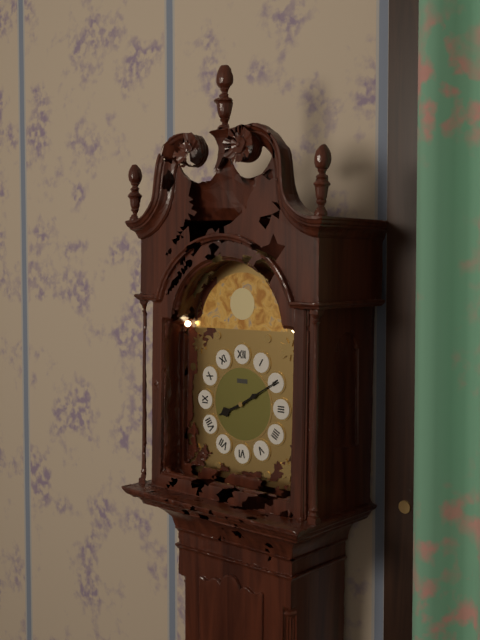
**8:10**
